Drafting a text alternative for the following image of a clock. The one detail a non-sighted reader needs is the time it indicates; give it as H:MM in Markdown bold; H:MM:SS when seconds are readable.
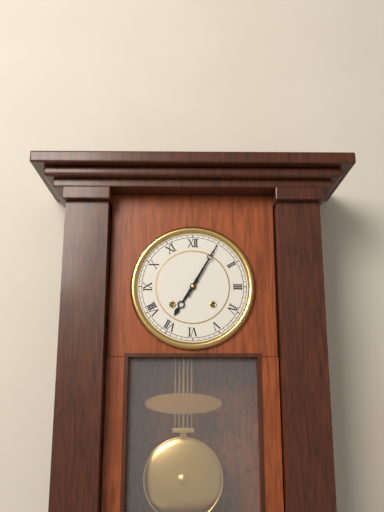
**7:05**
